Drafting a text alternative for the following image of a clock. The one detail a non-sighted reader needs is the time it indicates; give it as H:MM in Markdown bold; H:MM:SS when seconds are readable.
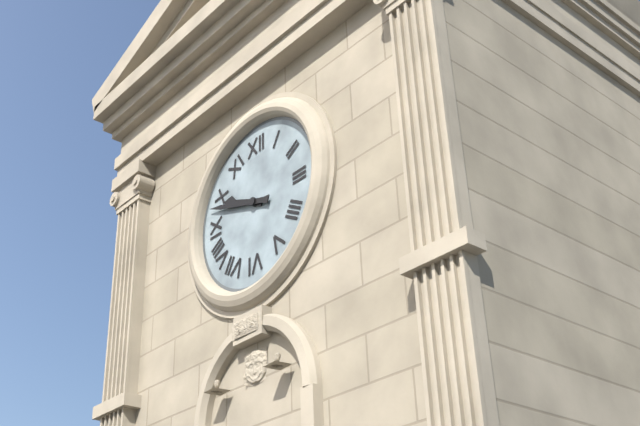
**9:48**
